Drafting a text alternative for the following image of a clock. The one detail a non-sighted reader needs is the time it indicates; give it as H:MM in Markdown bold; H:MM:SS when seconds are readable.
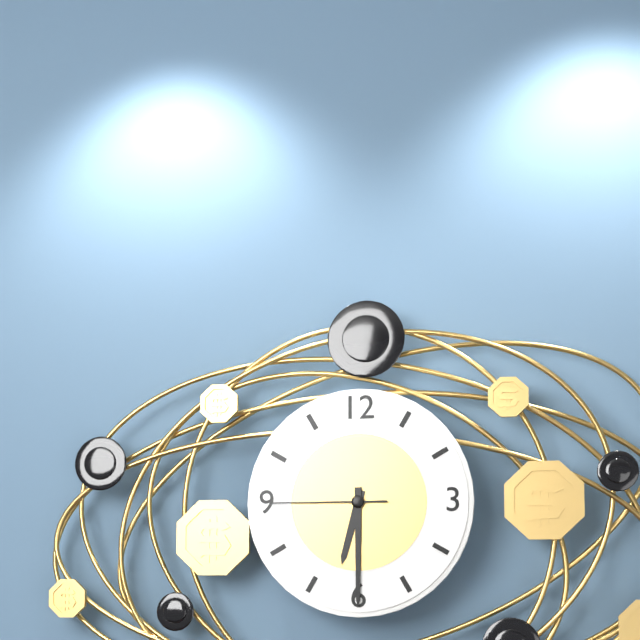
**6:30:45**
